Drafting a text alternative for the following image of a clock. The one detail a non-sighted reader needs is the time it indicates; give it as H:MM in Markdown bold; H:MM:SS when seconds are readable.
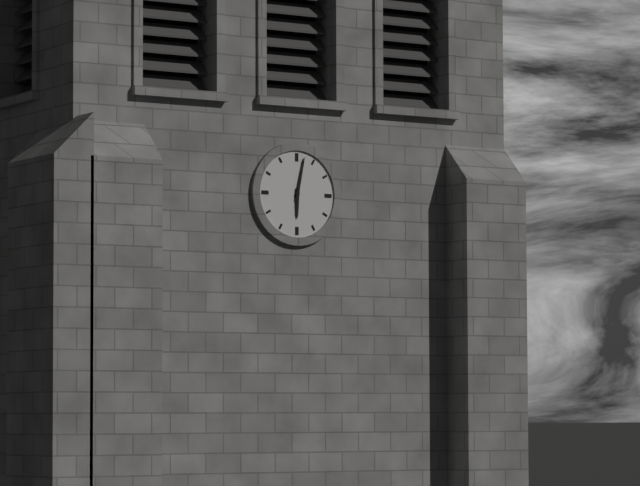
**6:02**
